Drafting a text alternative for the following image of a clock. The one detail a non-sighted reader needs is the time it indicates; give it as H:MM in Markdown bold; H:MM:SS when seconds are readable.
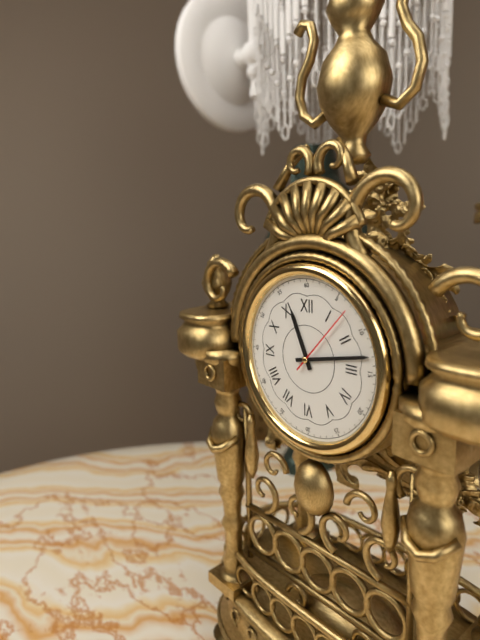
**11:13:07**
